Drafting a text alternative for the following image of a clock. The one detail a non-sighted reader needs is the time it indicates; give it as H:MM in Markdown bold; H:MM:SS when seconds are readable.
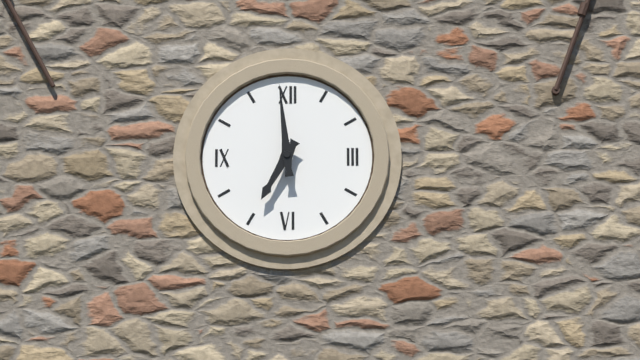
**6:59**
